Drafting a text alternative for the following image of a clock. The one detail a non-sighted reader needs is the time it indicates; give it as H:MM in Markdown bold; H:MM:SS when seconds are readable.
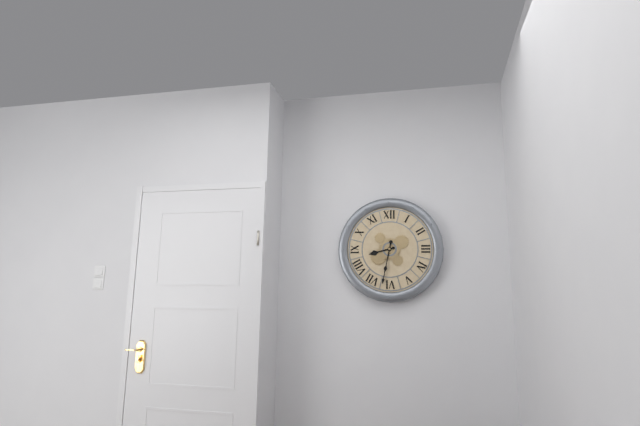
**8:32**
